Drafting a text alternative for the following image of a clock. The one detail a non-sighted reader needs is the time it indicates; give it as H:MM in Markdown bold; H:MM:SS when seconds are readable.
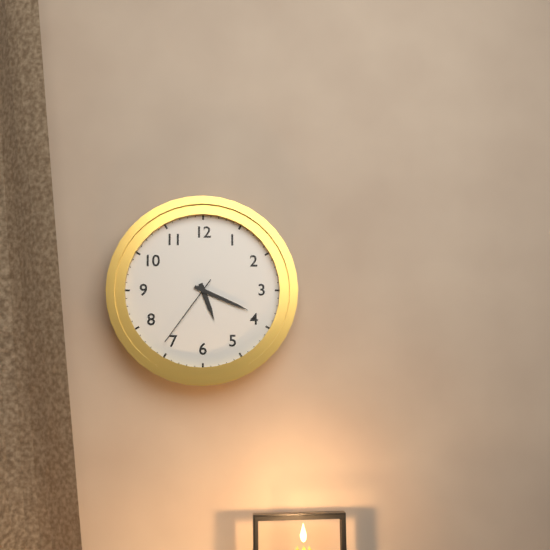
**5:19:36**
